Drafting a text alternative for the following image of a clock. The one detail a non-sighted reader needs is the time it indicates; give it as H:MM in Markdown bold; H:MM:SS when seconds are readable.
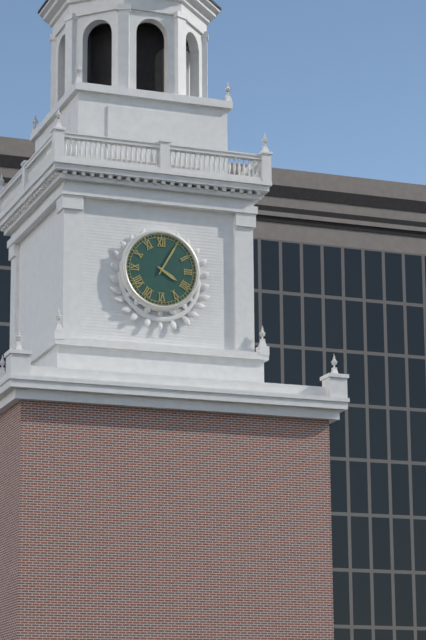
**4:05**
